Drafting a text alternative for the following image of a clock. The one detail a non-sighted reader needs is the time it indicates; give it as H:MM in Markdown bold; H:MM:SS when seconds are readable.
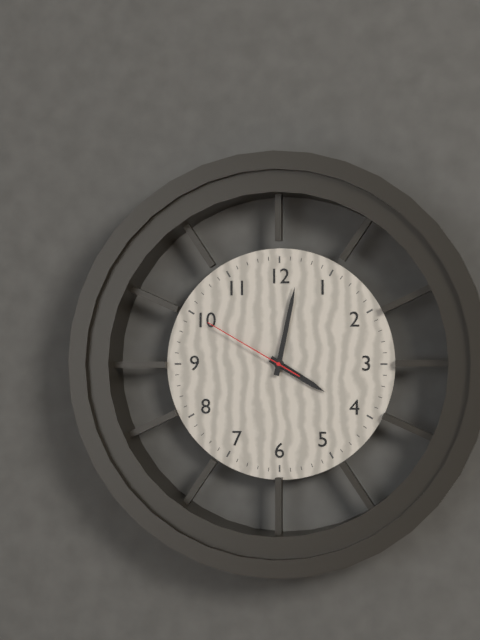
**4:02:50**
